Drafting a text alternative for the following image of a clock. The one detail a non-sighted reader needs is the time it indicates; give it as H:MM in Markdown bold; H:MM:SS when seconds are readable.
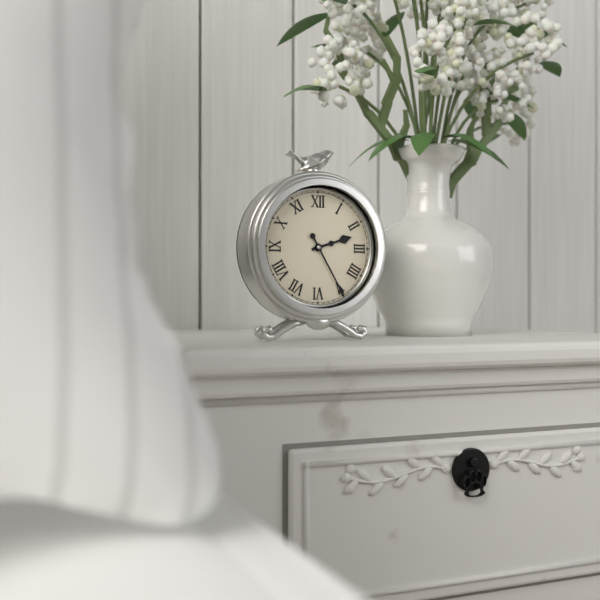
**2:25**
